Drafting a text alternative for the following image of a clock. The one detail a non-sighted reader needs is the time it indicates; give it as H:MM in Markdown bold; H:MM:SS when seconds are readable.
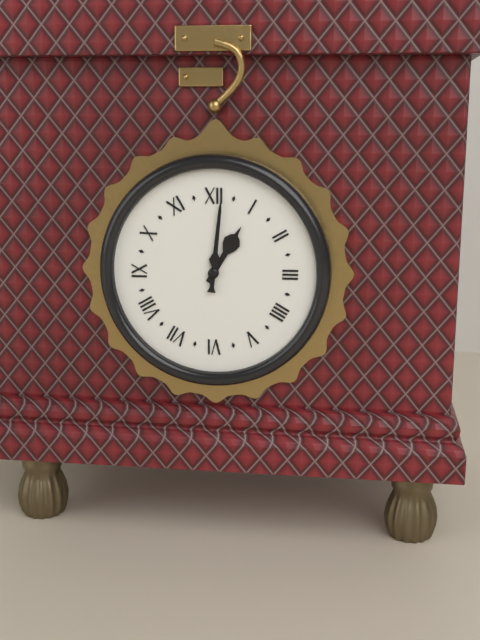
**1:01**
